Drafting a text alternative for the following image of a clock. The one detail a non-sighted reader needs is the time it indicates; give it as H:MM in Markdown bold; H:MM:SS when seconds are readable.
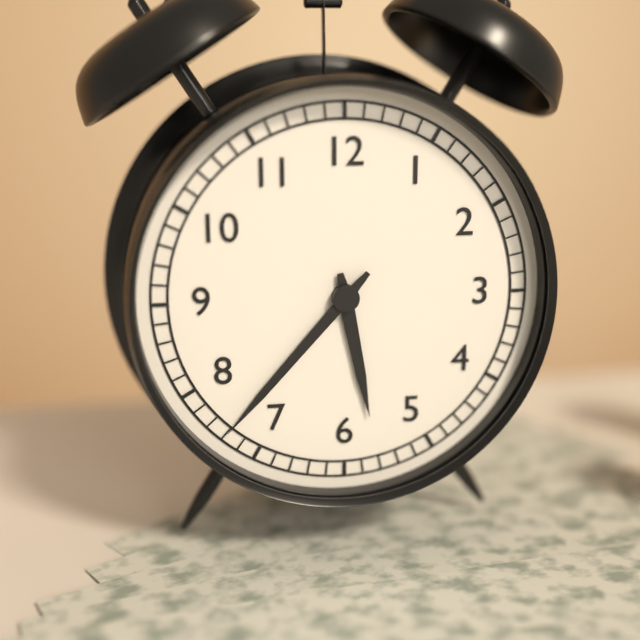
**5:37**
